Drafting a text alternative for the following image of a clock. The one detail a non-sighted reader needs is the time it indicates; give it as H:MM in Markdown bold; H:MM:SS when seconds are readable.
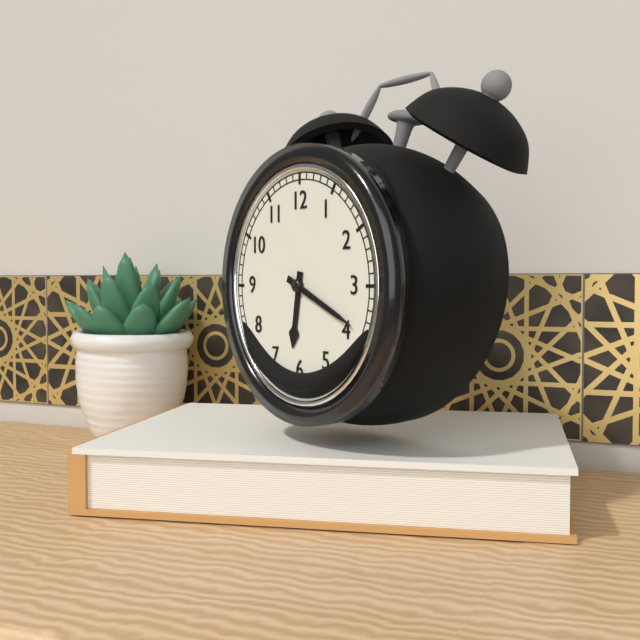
**6:19**
